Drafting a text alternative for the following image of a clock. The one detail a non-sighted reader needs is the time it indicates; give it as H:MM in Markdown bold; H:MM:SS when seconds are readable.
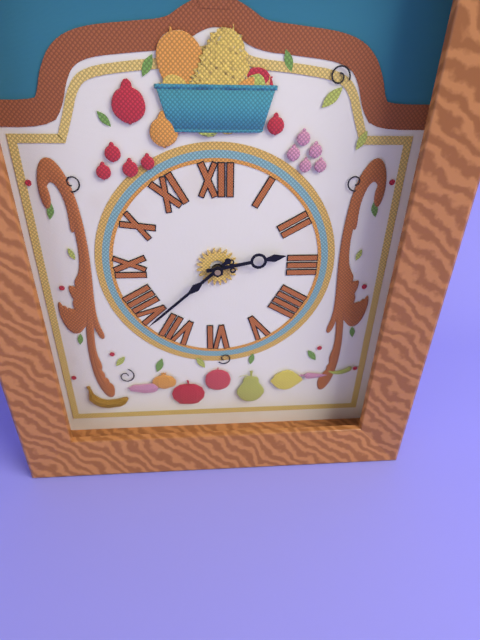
**2:38**
